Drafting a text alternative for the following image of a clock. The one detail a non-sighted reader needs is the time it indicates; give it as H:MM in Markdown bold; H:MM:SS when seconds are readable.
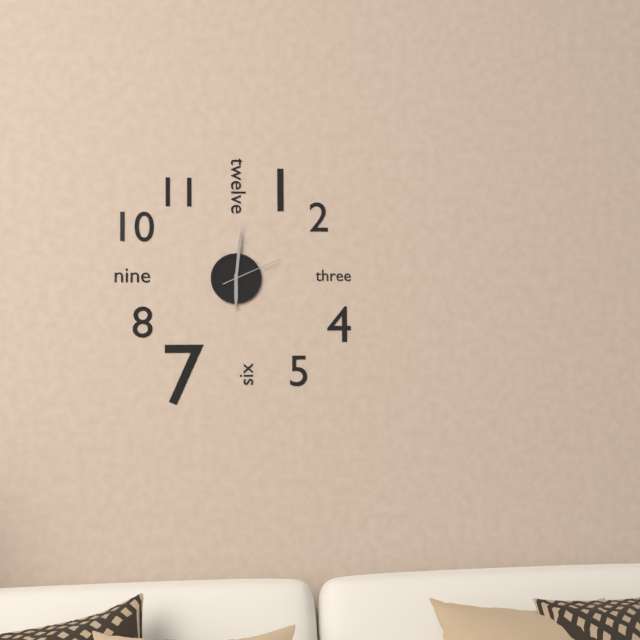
**6:01:11**
